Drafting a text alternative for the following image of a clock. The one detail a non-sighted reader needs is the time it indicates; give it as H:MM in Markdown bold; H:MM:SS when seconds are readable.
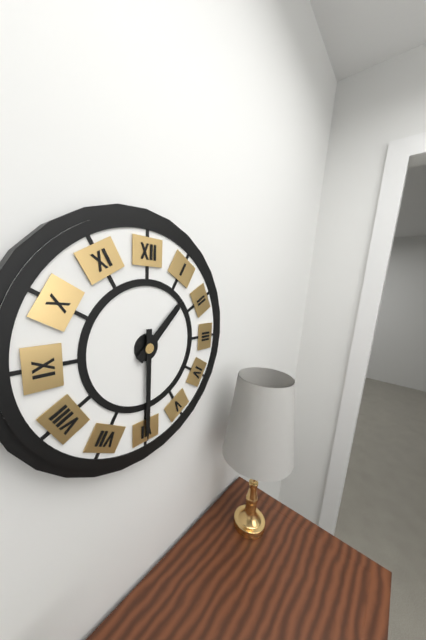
**1:30**
